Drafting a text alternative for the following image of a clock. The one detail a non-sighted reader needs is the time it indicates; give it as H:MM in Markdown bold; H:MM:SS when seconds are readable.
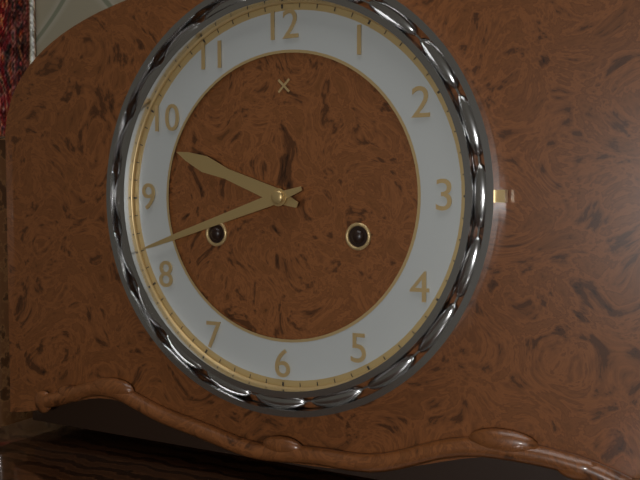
**9:42**
